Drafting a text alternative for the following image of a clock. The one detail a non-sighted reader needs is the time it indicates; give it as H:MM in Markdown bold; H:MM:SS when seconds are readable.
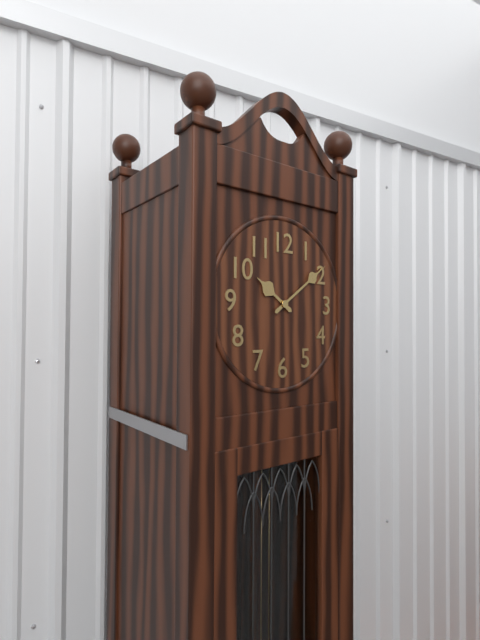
**10:09**
